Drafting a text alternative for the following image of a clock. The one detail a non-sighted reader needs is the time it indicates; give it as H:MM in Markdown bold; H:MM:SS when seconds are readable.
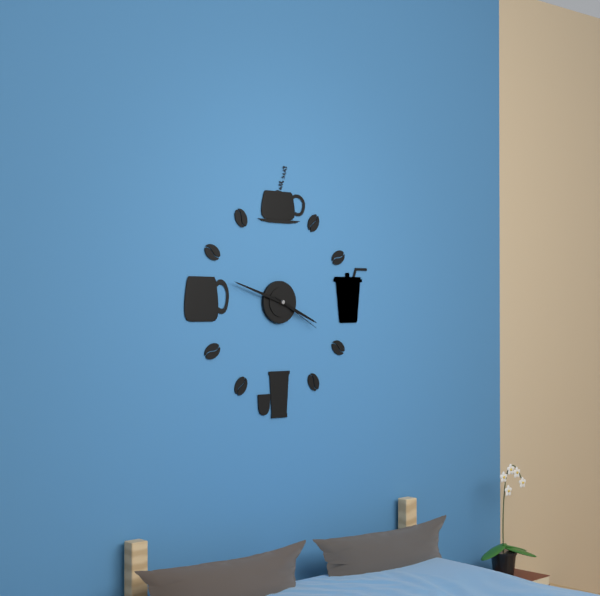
**3:48:20**
